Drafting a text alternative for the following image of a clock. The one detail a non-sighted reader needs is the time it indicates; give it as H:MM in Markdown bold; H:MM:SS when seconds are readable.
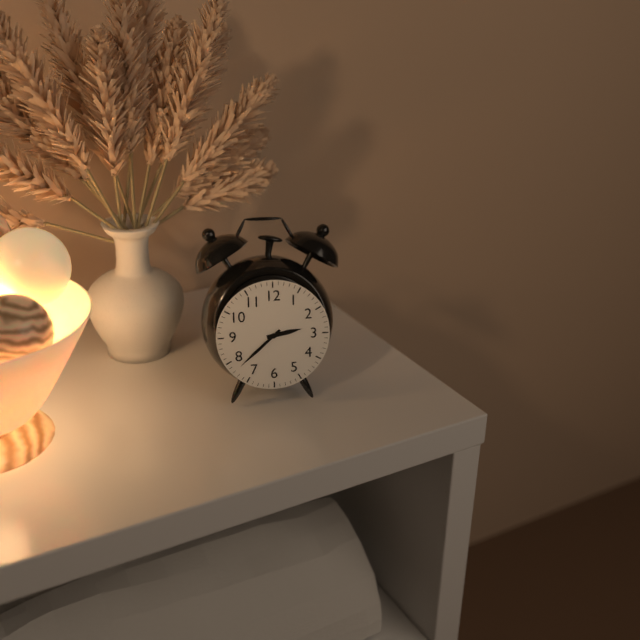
**2:38**
